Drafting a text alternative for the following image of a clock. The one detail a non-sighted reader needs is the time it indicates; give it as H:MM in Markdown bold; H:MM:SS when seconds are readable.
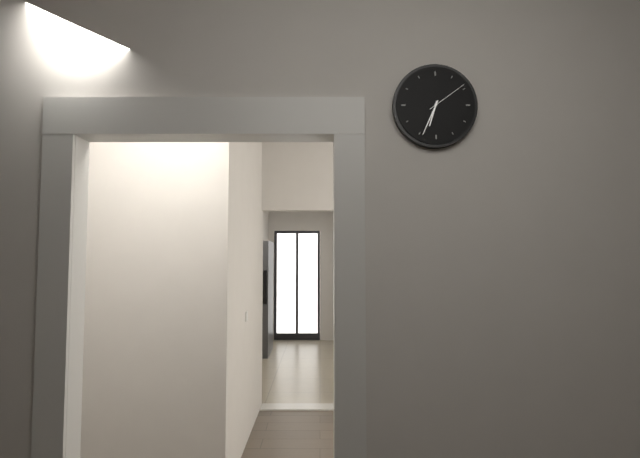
**6:34**
